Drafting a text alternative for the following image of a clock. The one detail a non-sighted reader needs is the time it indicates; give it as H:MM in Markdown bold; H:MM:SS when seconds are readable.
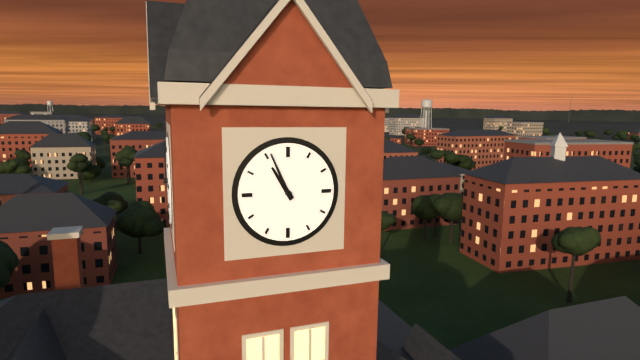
**10:56**
